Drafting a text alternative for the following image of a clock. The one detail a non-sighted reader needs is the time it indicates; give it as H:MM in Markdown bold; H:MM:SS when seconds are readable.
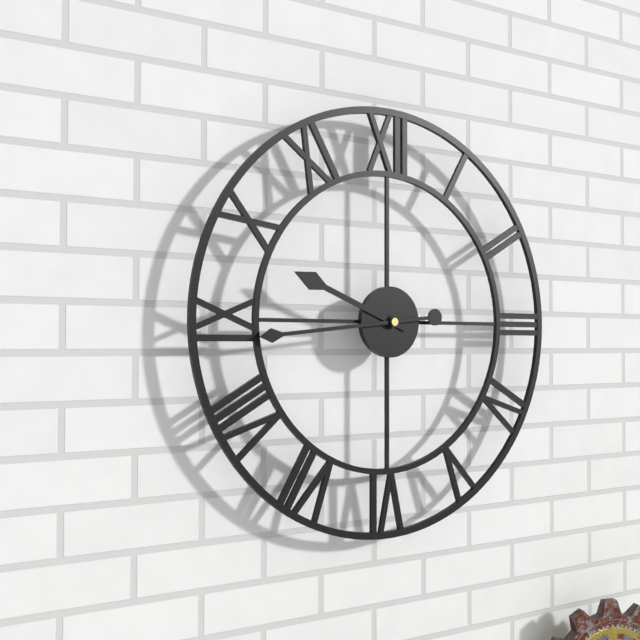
**9:44**
